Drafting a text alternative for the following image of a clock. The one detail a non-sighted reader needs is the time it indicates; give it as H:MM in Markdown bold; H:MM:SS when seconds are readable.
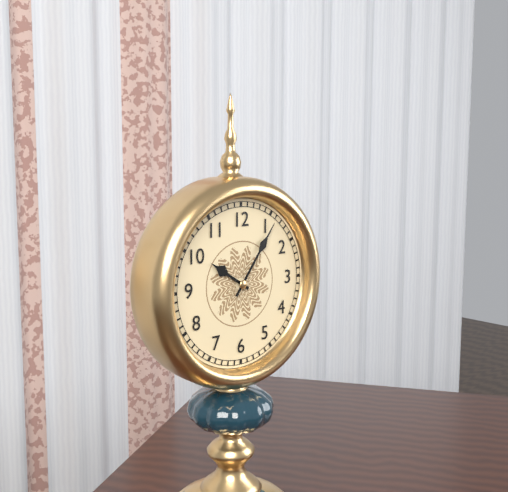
**10:06**
